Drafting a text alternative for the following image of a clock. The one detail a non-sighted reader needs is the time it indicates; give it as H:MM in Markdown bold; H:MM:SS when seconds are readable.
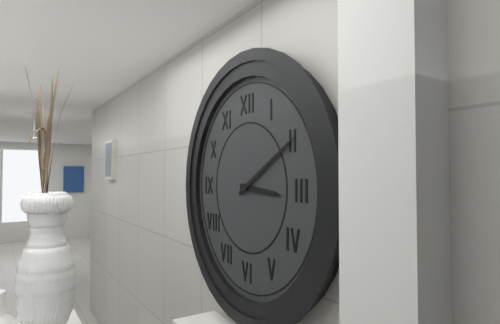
**3:10**
